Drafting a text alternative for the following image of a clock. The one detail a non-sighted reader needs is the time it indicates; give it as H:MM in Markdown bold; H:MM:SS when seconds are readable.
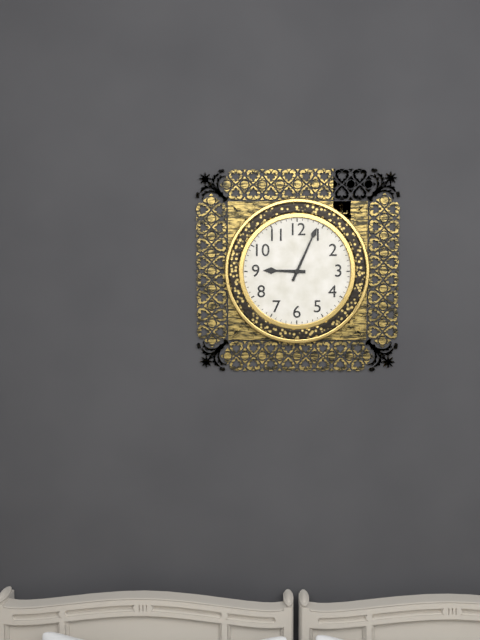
**9:04**
